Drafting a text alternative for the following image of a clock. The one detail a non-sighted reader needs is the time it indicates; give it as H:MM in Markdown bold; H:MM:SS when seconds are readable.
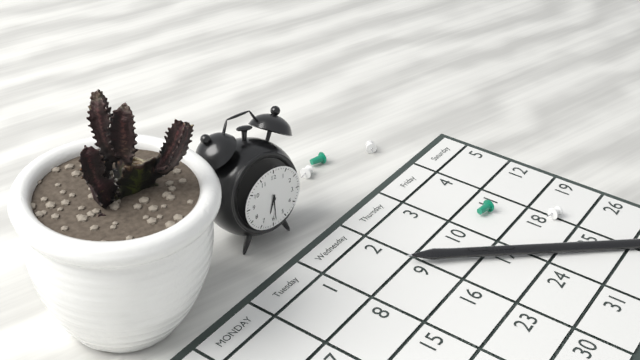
**6:29**
